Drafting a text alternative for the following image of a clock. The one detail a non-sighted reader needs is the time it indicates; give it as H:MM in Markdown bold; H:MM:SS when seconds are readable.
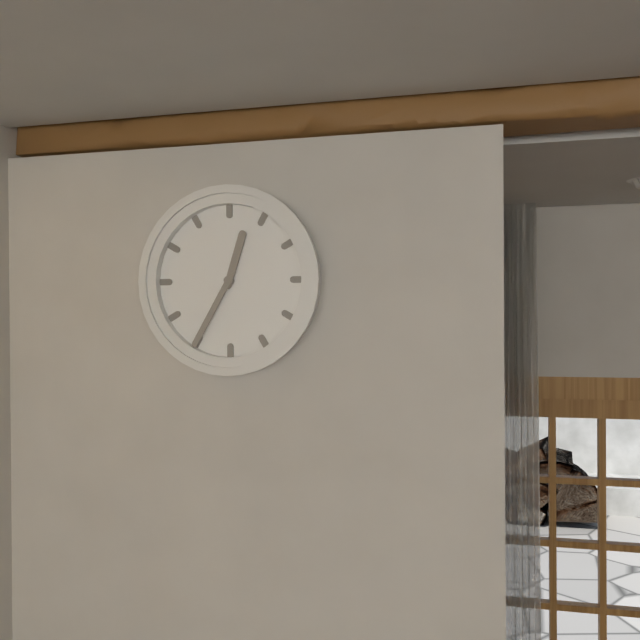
**12:35**
